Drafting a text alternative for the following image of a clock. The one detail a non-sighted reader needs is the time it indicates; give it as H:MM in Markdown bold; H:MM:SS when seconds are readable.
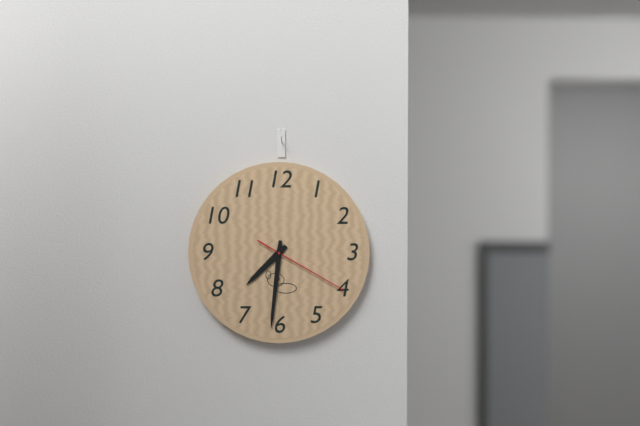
**7:31:20**
